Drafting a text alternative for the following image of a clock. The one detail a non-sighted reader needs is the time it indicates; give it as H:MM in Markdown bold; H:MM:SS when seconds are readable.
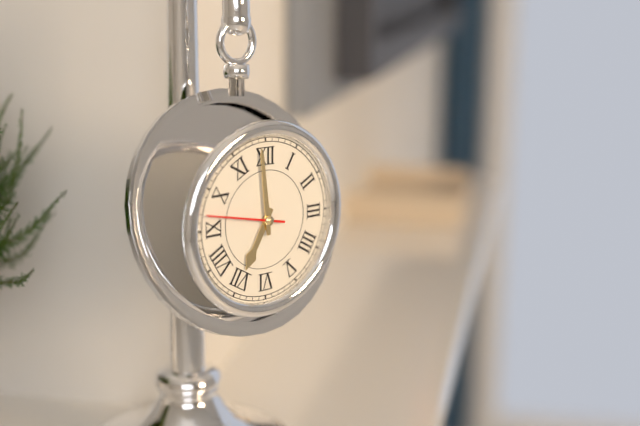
**6:59:47**
